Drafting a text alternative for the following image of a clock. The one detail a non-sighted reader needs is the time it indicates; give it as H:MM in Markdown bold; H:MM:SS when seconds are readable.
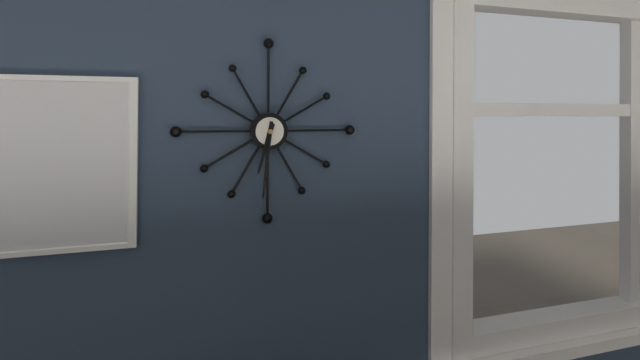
**6:31**
